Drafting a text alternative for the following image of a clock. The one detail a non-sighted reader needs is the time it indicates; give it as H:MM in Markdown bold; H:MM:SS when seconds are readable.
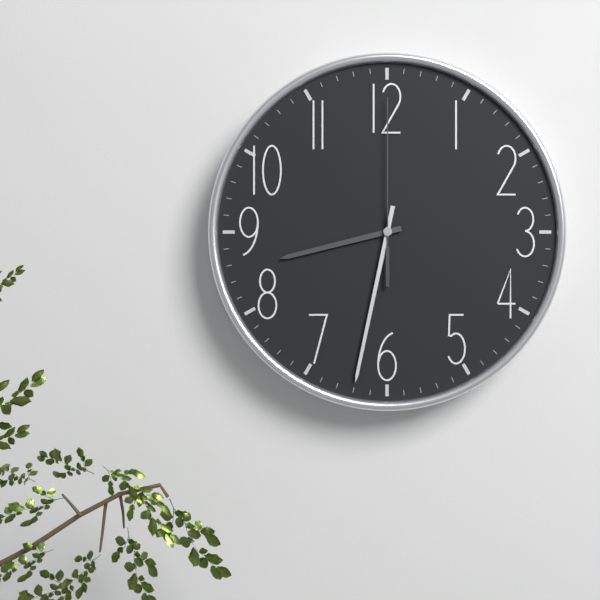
**8:32:00**
